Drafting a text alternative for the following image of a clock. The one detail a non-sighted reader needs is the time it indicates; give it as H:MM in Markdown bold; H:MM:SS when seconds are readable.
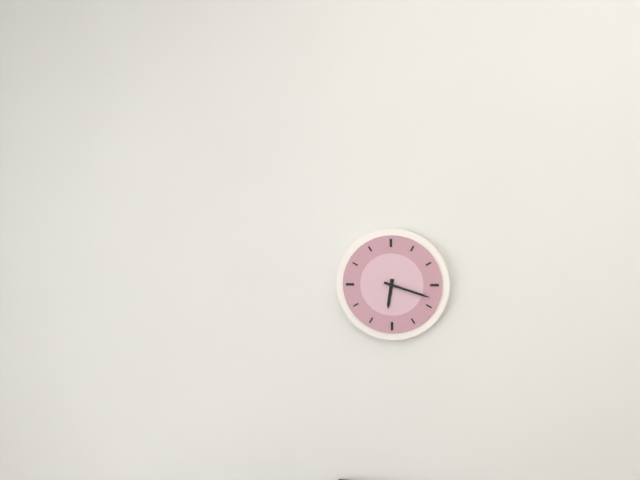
**6:18**
